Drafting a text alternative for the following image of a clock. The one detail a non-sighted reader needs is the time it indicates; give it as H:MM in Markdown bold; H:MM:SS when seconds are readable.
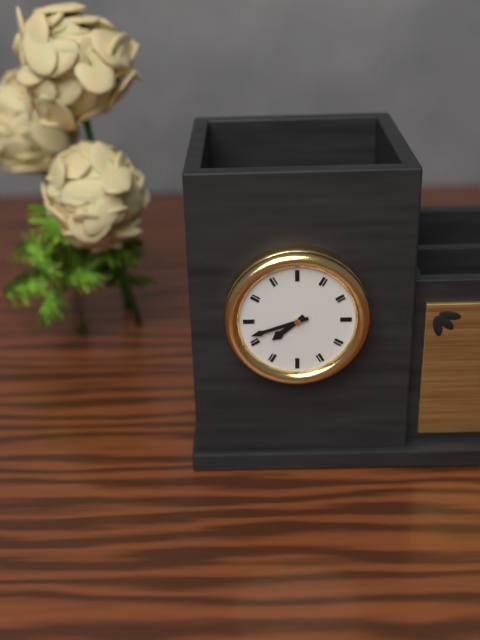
**7:42**
